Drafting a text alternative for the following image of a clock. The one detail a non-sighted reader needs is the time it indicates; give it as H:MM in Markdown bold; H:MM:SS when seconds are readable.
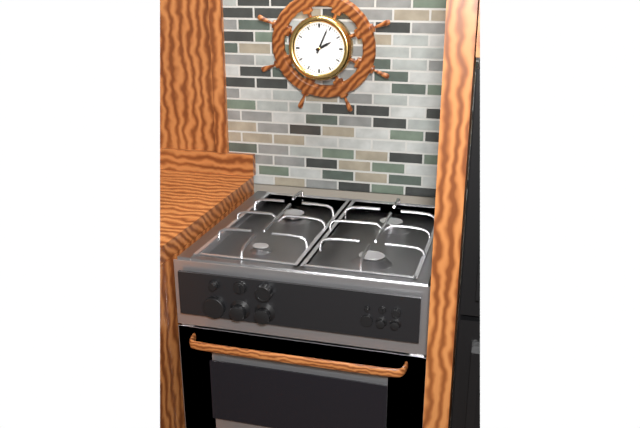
**2:04**
